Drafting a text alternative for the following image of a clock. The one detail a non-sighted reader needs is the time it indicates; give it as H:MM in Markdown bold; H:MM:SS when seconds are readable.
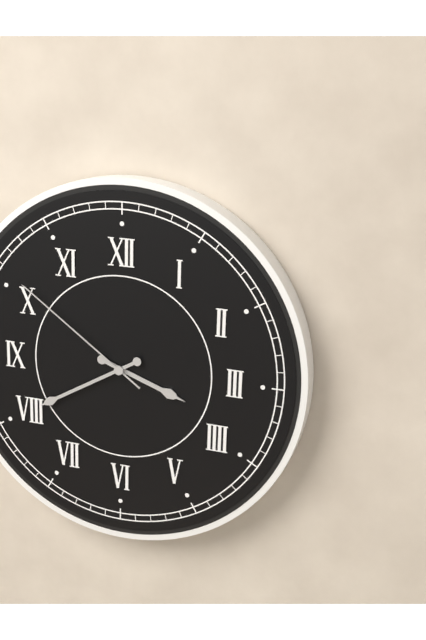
**3:40:51**
